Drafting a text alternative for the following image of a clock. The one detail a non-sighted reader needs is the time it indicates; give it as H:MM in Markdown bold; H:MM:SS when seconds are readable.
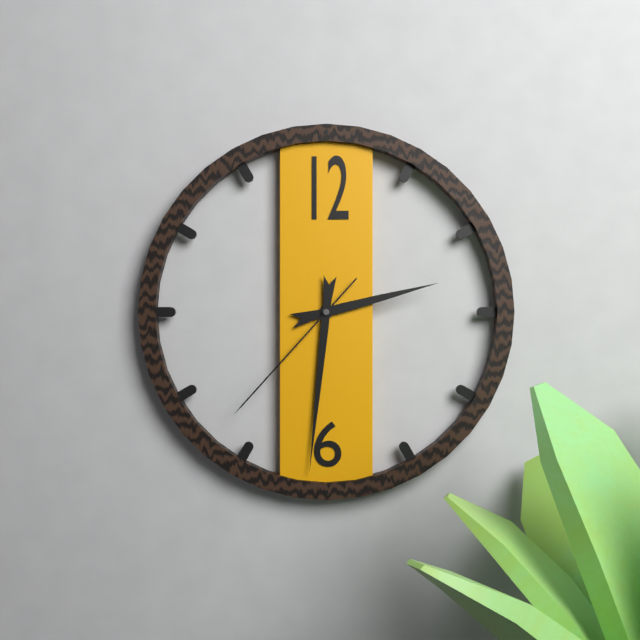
**2:31:37**
